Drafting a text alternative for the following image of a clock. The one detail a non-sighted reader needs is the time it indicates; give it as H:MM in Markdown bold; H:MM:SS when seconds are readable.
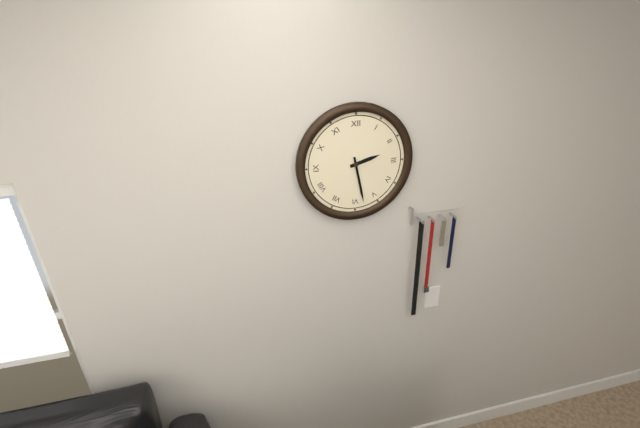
**2:28**
